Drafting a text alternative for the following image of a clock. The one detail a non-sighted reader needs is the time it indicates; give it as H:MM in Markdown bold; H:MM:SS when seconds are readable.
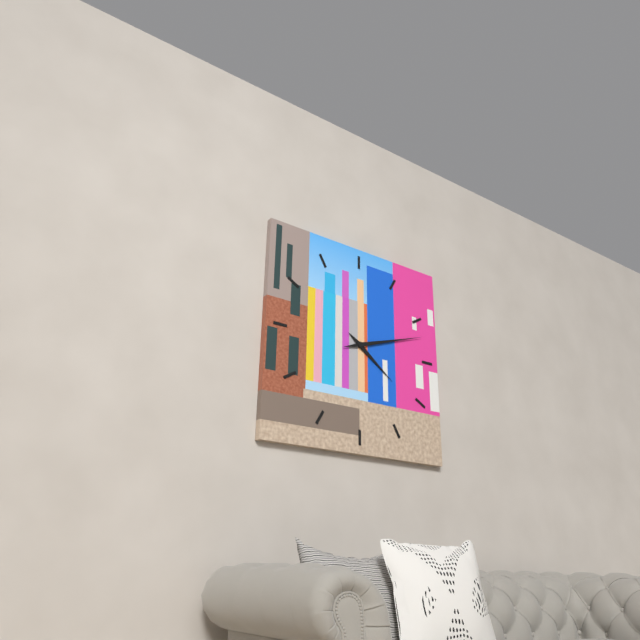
**4:12**
